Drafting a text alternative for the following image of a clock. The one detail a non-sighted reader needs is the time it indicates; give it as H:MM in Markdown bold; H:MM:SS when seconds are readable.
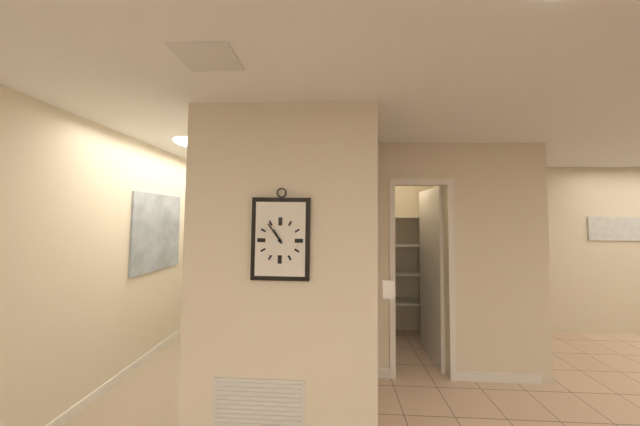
**10:54**
